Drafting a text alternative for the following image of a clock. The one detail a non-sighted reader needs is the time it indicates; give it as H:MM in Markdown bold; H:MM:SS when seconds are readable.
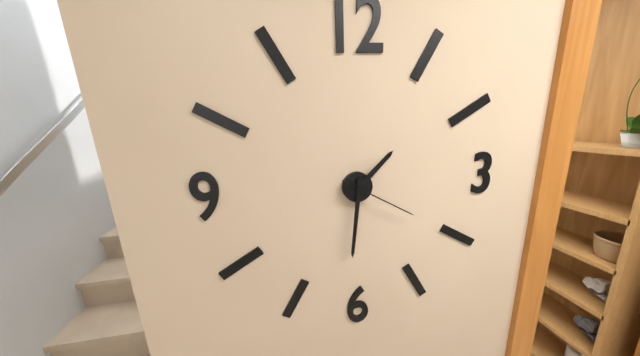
**1:31:20**
